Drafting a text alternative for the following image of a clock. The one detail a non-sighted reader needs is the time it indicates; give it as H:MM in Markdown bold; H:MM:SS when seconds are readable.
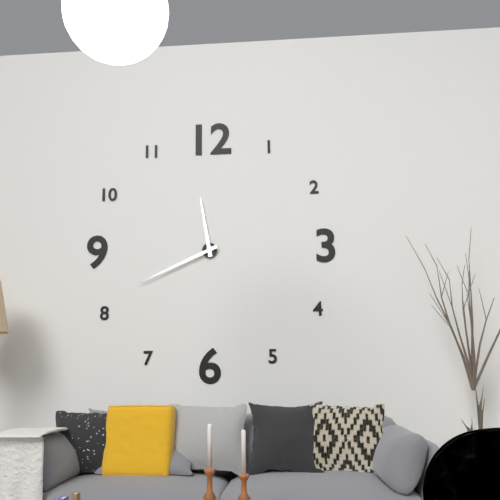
**11:41**
